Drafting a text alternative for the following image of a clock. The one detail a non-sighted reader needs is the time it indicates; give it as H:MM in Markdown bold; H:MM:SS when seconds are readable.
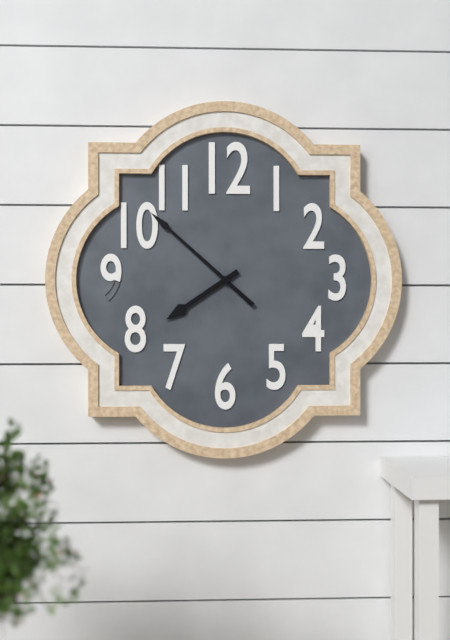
**7:52**
